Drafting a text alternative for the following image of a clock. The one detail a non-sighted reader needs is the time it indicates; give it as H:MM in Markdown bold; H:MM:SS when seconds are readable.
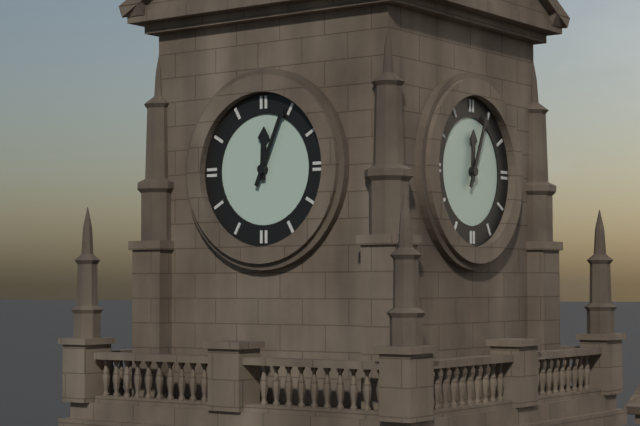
**12:04**
